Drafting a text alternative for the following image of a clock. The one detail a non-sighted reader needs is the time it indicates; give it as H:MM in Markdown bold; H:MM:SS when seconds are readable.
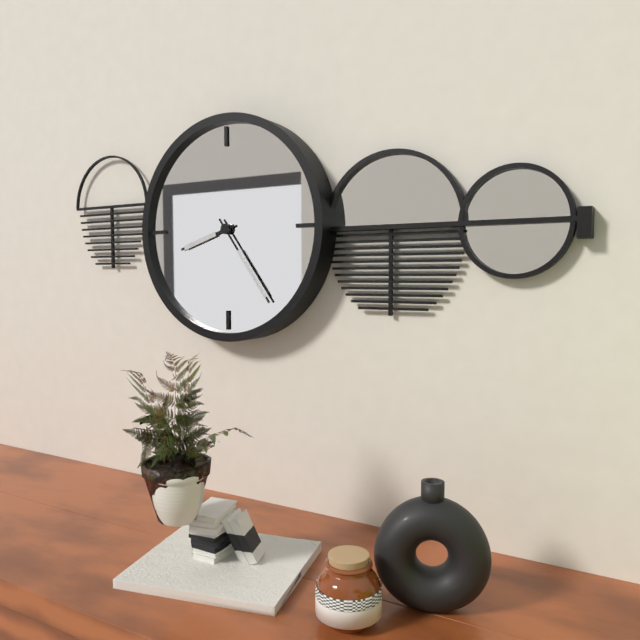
**8:24**
